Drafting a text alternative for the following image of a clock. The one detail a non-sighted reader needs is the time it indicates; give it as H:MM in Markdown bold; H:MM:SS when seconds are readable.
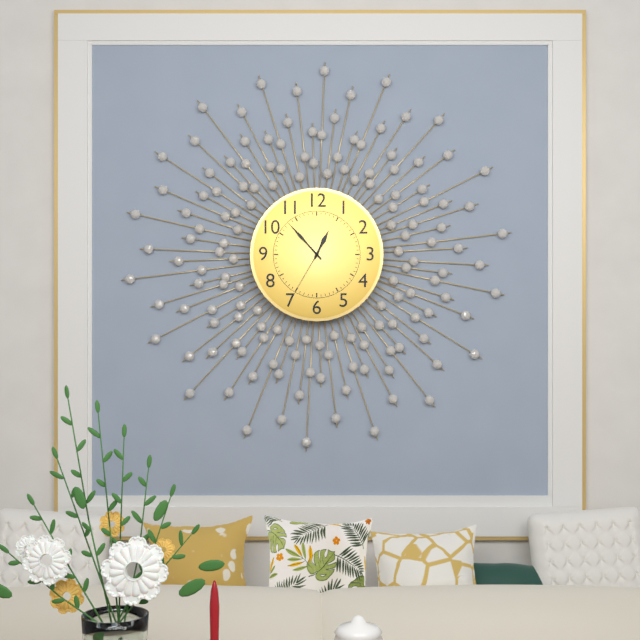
**12:53:35**
